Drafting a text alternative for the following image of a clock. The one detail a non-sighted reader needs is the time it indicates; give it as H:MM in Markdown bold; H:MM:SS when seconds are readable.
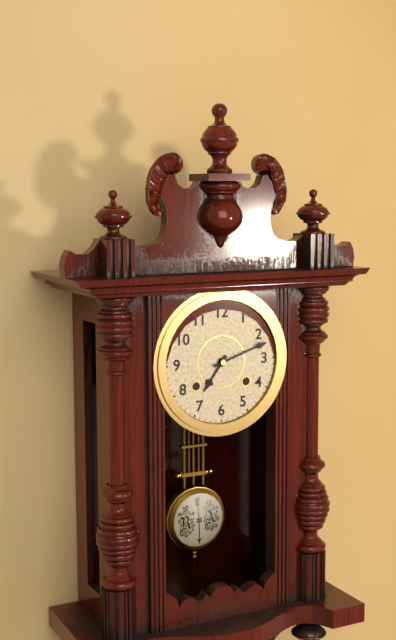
**7:12**
